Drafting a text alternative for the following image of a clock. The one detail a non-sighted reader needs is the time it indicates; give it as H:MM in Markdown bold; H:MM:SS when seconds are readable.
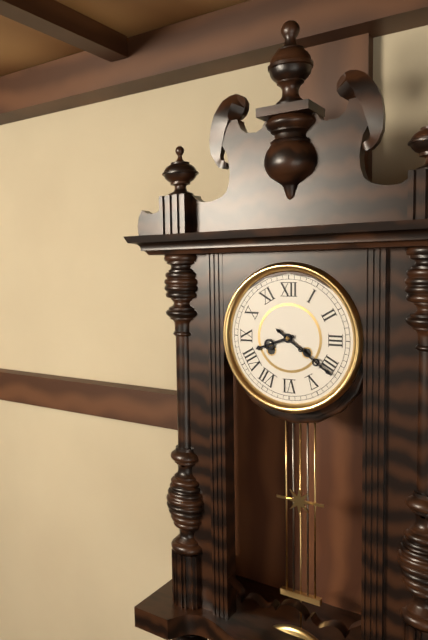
**8:21**
